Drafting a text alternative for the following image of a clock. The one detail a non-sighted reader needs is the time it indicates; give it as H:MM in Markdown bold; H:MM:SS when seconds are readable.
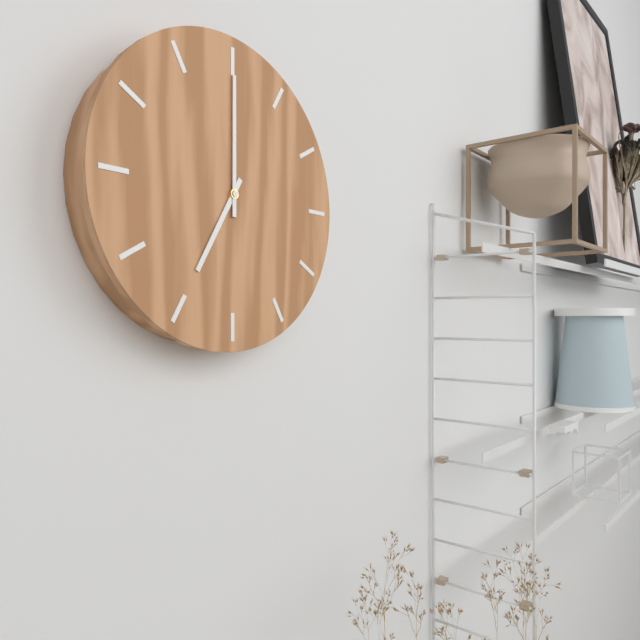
**7:00**
